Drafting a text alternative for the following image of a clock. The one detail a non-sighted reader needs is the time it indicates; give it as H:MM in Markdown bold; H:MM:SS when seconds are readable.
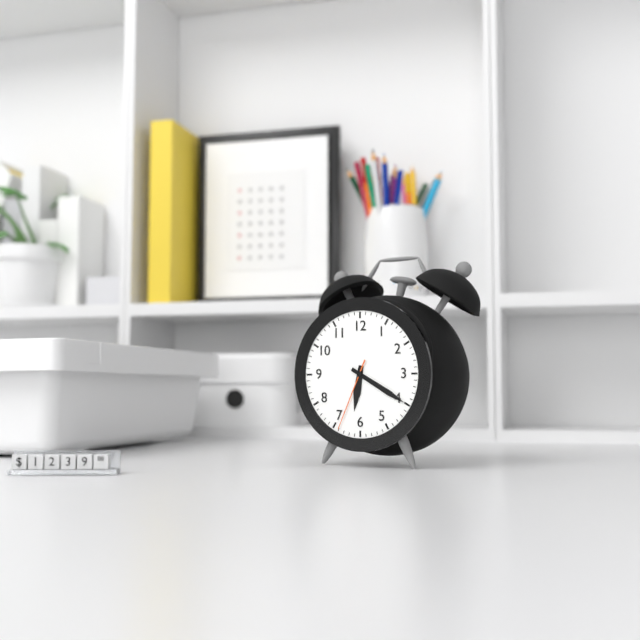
**6:20:34**
